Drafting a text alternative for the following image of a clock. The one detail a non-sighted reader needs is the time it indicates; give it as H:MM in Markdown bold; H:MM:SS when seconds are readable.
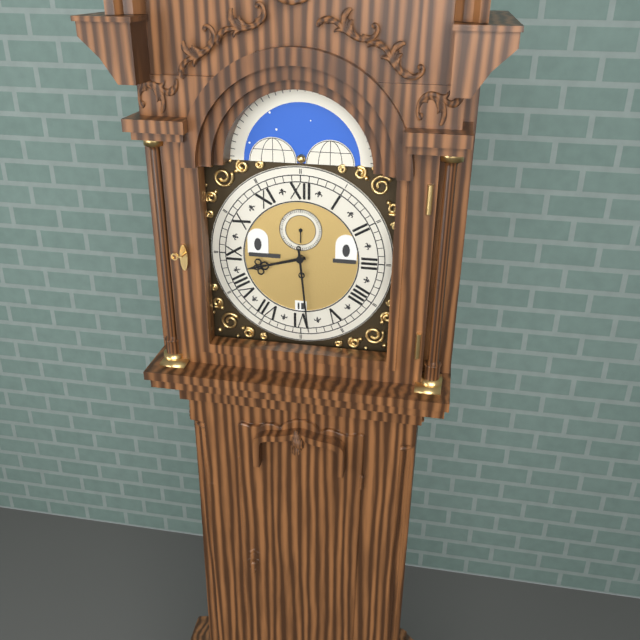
**8:29**
